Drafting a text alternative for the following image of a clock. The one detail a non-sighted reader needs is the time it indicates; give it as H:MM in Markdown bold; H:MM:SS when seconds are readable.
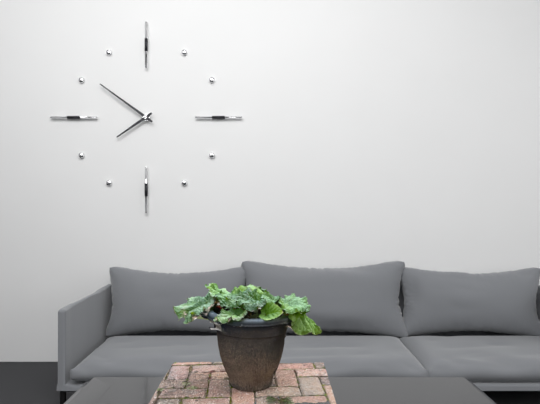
**7:51**
